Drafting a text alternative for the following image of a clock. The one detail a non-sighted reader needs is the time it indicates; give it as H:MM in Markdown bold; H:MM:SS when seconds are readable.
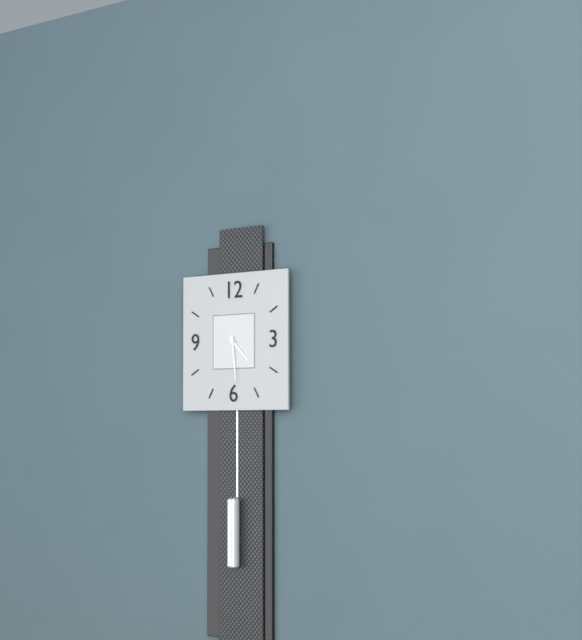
**4:29**
